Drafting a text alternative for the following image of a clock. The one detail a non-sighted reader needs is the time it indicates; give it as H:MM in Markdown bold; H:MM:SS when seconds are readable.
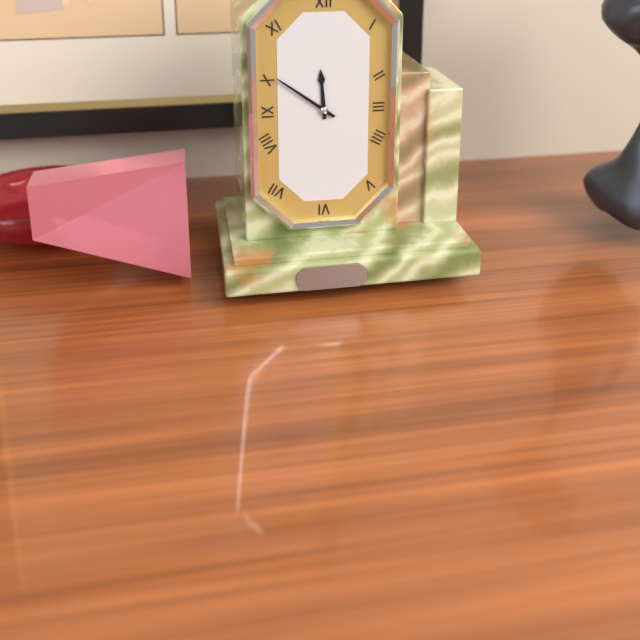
**11:51**
